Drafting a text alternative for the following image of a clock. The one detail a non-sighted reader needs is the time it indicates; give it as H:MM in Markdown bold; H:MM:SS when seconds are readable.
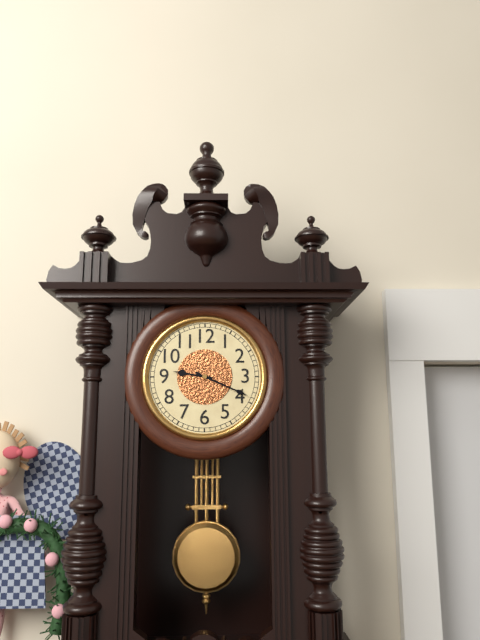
**9:19**
